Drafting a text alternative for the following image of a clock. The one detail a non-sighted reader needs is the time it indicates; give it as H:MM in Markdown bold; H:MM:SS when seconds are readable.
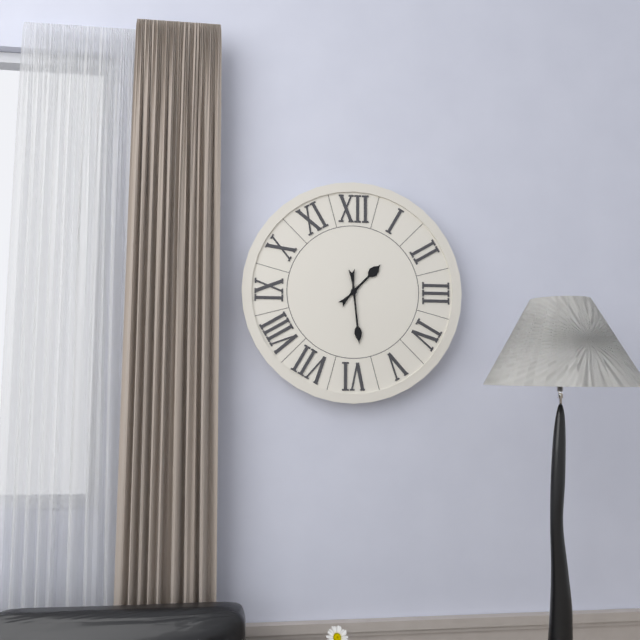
**1:29**
